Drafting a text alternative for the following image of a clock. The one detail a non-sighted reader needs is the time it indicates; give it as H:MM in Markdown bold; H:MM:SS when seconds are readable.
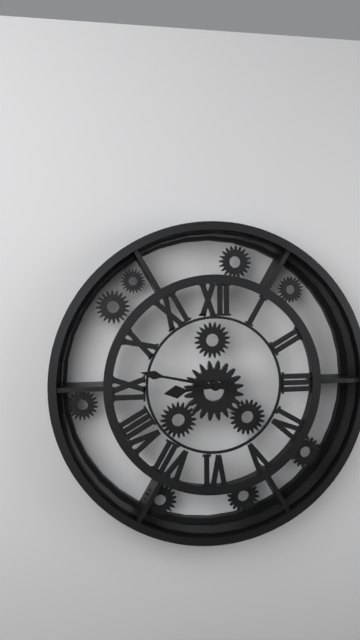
**8:47**
